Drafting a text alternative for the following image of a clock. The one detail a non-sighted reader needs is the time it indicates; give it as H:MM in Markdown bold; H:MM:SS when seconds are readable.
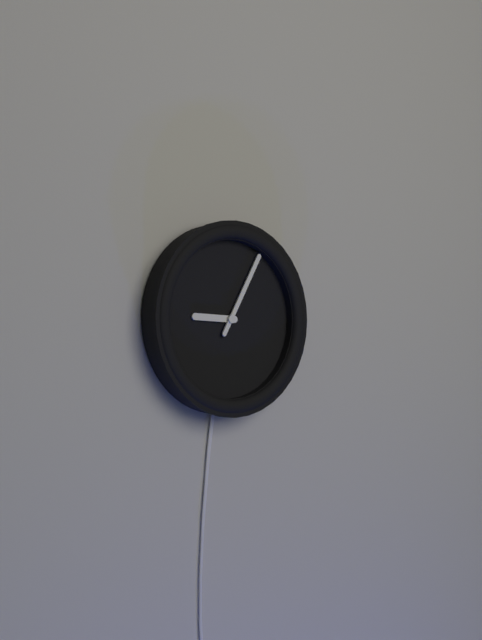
**9:05**
